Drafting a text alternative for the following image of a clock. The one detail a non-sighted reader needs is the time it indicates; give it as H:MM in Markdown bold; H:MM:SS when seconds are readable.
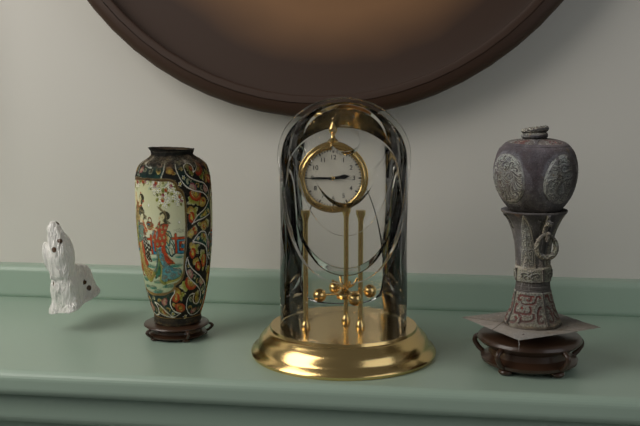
**2:45**
